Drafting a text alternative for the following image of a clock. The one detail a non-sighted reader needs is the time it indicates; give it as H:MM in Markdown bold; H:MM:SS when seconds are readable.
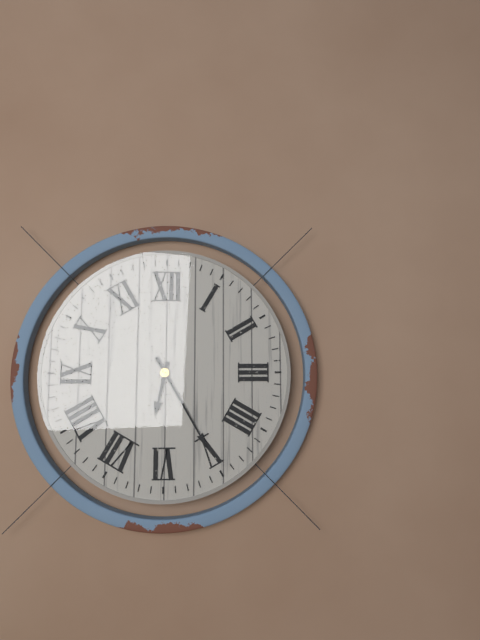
**6:25**
